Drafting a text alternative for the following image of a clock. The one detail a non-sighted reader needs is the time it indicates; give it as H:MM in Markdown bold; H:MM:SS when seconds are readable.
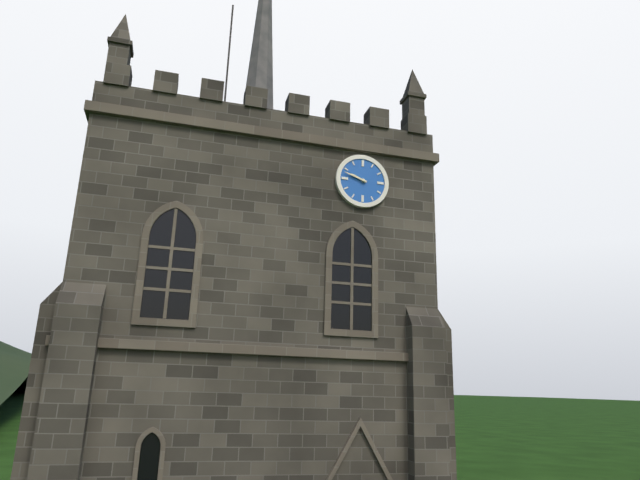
**9:48**
